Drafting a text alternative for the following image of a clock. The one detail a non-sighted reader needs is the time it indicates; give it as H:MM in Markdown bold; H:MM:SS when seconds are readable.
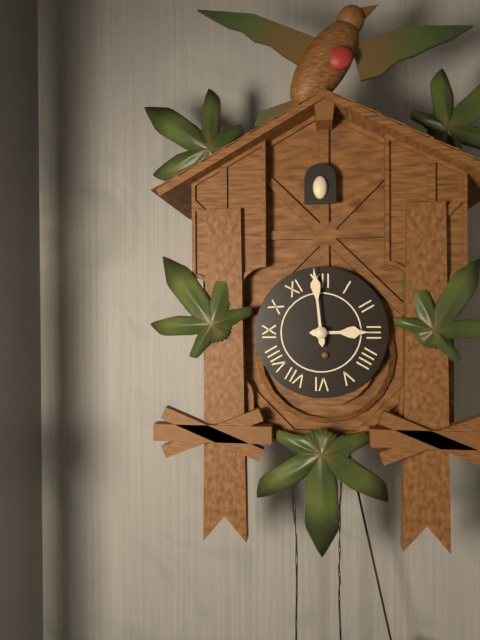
**2:59**
